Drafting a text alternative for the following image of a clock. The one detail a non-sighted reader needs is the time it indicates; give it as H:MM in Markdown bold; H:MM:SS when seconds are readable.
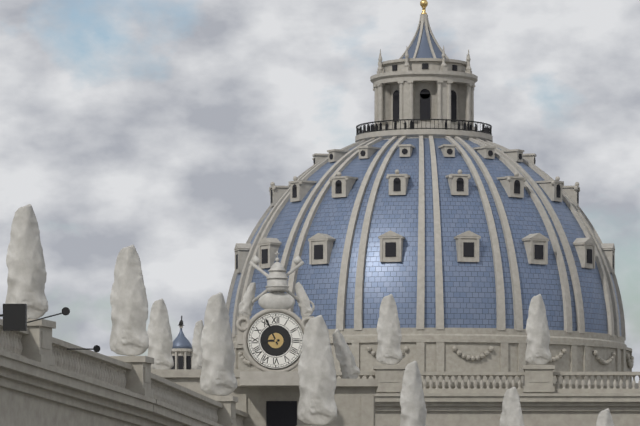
**8:56**
